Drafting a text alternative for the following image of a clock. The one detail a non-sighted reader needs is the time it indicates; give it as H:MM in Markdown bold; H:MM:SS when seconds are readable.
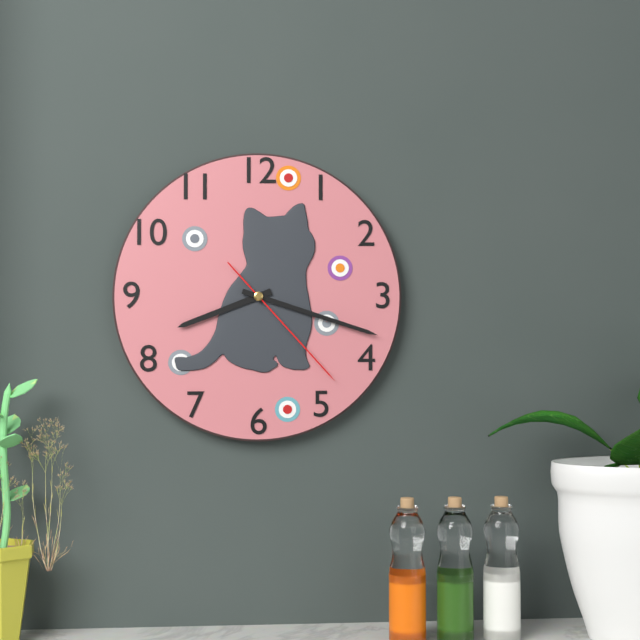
**8:18:23**
